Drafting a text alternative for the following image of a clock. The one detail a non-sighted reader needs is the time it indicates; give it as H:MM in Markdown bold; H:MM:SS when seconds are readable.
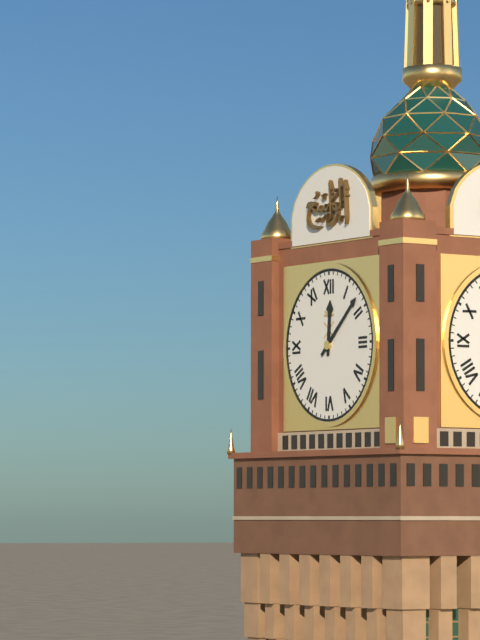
**12:08**
